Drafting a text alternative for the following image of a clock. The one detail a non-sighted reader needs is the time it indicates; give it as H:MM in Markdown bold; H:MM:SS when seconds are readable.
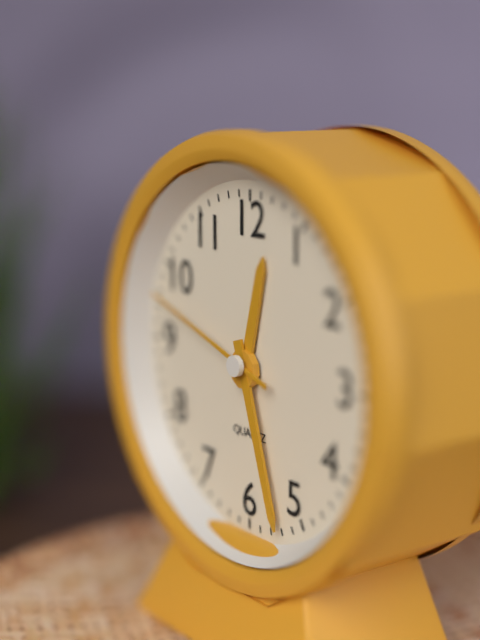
**12:27:48**
